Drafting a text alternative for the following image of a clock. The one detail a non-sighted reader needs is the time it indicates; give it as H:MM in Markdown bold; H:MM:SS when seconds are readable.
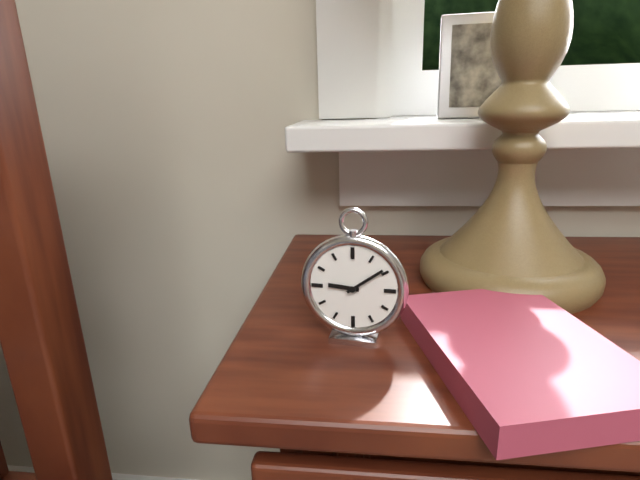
**9:09**
